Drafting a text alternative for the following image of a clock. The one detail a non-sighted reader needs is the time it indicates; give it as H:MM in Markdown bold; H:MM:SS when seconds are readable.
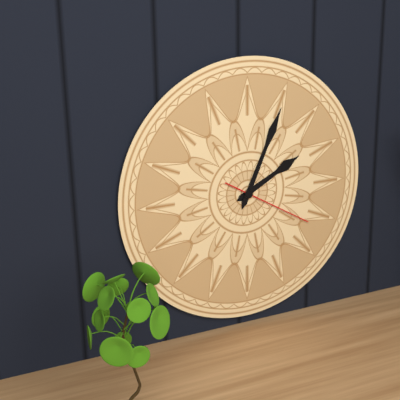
**2:04:20**
